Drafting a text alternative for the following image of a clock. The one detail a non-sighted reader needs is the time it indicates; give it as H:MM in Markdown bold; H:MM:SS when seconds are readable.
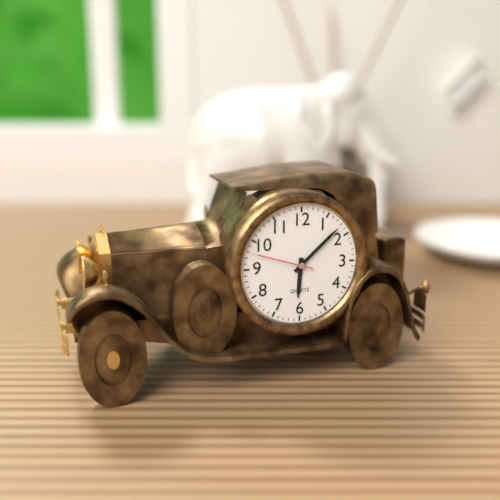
**6:08:48**
